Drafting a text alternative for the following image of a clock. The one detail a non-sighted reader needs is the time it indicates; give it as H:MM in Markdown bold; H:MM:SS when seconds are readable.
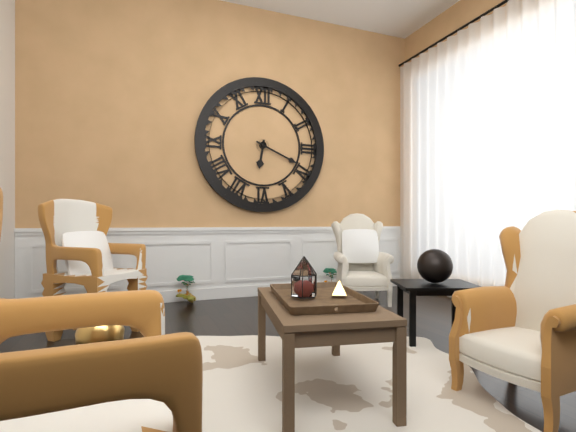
**6:19**
